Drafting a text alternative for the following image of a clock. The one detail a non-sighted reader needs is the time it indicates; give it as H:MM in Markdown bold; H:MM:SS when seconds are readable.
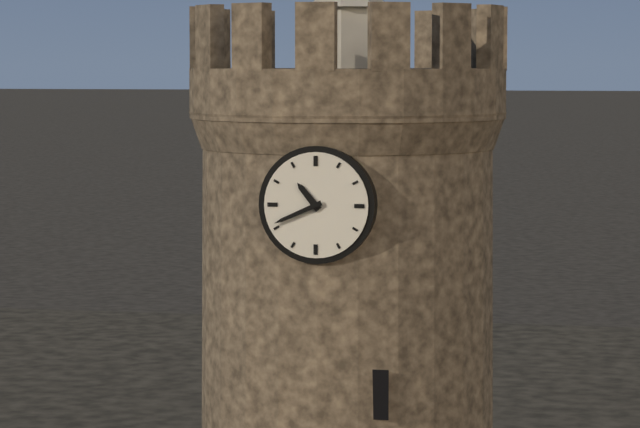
**10:41**
